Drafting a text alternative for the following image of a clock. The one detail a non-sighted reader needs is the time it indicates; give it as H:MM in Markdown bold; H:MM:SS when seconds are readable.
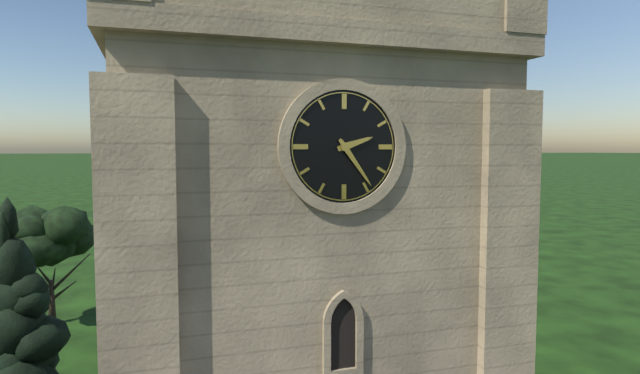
**2:24**
